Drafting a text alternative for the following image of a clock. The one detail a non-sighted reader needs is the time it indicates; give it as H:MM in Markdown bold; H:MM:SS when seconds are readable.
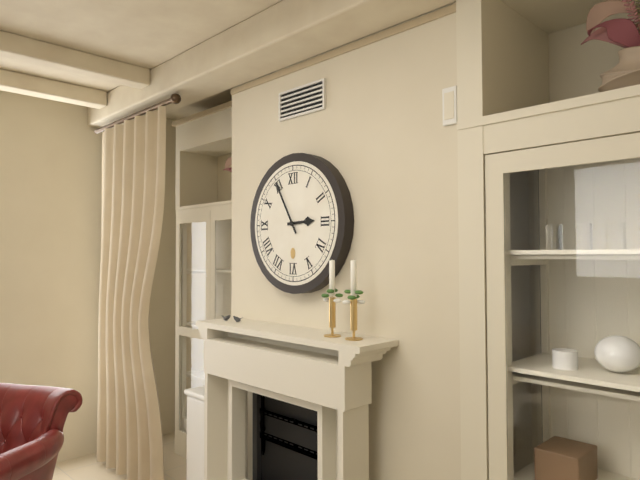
**2:55**
